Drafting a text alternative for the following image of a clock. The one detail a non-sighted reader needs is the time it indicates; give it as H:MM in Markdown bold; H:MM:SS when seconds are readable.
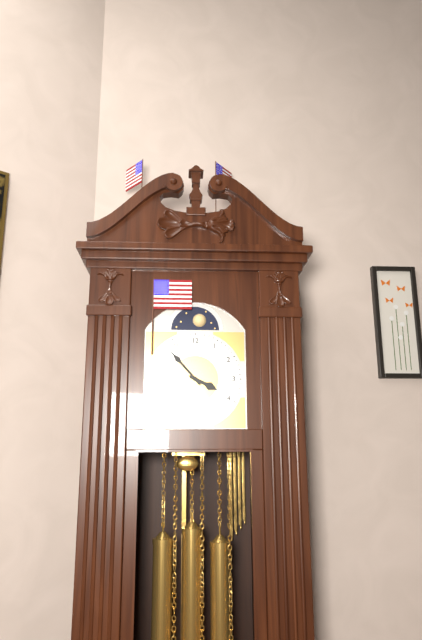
**3:53**
